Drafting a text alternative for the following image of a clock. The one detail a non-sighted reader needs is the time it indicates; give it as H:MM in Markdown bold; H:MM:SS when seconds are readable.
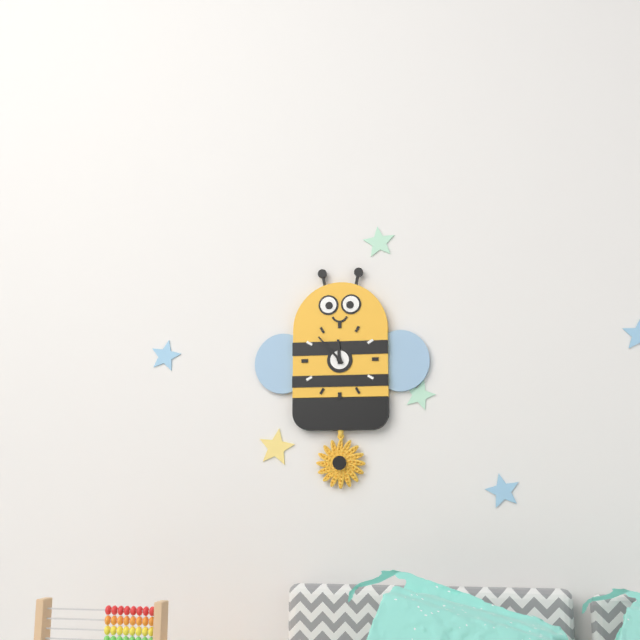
**11:53**
